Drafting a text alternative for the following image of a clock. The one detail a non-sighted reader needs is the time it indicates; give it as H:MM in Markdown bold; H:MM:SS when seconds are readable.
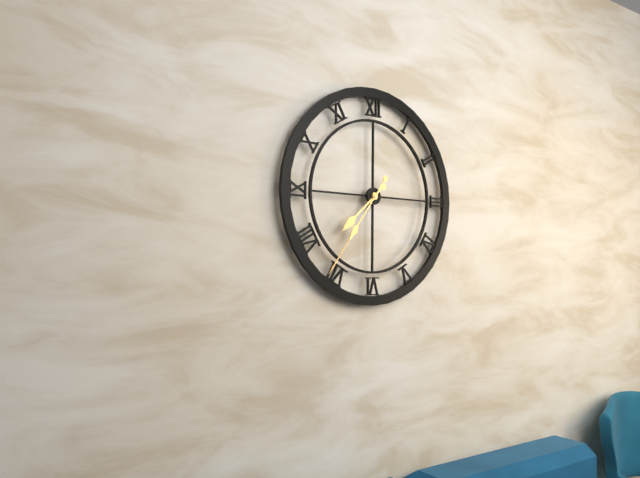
**7:36**
